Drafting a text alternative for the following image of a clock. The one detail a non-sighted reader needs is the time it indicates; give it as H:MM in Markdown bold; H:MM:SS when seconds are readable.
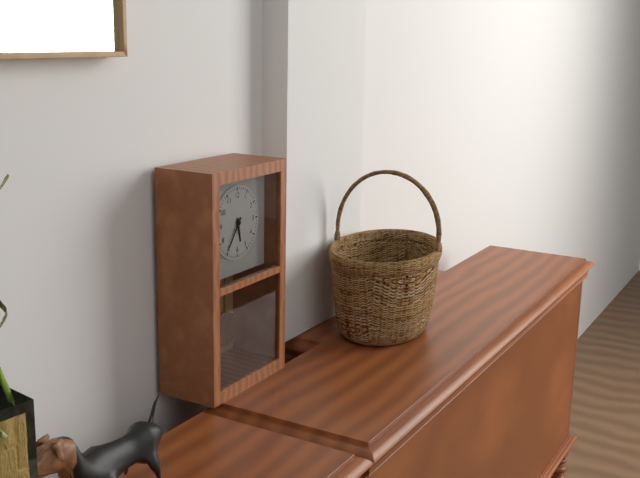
**5:36**
